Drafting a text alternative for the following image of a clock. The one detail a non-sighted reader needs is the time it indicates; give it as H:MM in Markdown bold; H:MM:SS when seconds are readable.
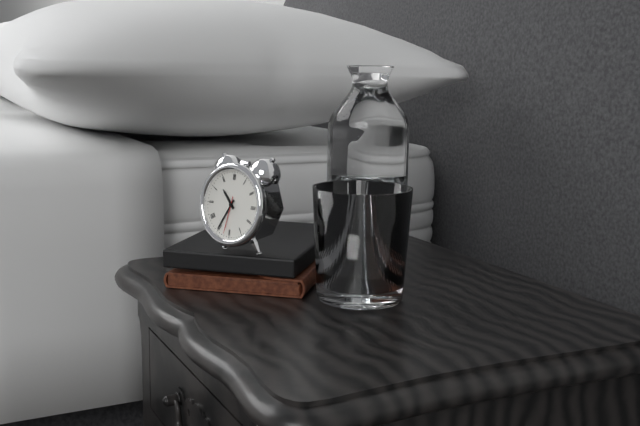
**10:35**
